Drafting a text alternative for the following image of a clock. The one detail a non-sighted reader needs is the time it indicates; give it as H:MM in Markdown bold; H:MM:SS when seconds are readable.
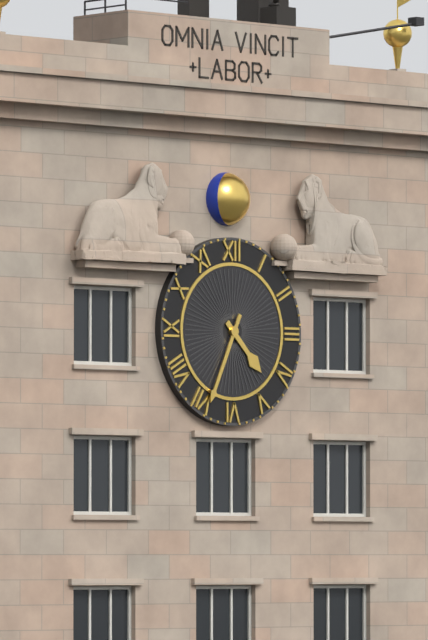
**4:34**
